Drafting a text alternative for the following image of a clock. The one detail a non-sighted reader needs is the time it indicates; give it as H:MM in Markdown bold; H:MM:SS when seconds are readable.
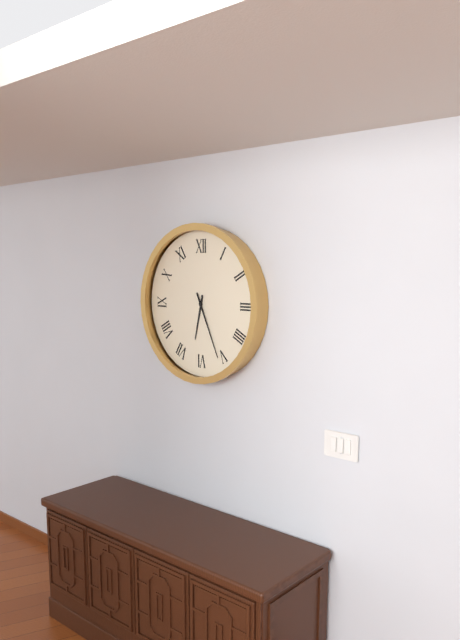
**6:26**
